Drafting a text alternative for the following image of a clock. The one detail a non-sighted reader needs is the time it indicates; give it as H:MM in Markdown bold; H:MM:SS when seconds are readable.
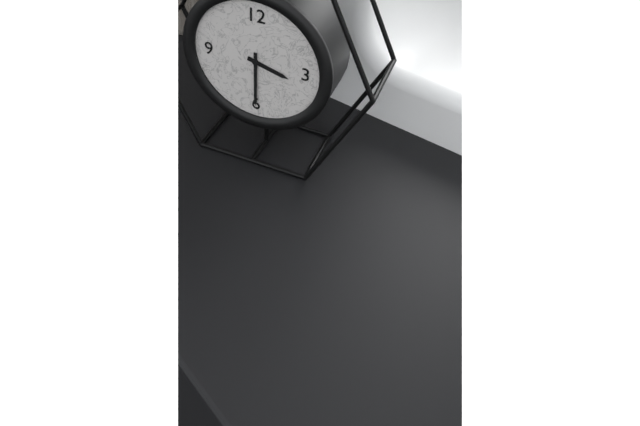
**3:30**
